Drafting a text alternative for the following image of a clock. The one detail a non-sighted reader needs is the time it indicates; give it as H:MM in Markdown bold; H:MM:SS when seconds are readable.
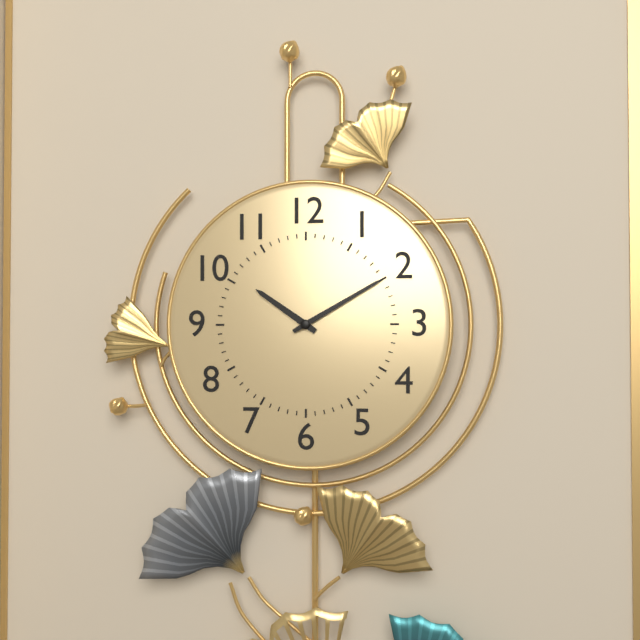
**10:10**
